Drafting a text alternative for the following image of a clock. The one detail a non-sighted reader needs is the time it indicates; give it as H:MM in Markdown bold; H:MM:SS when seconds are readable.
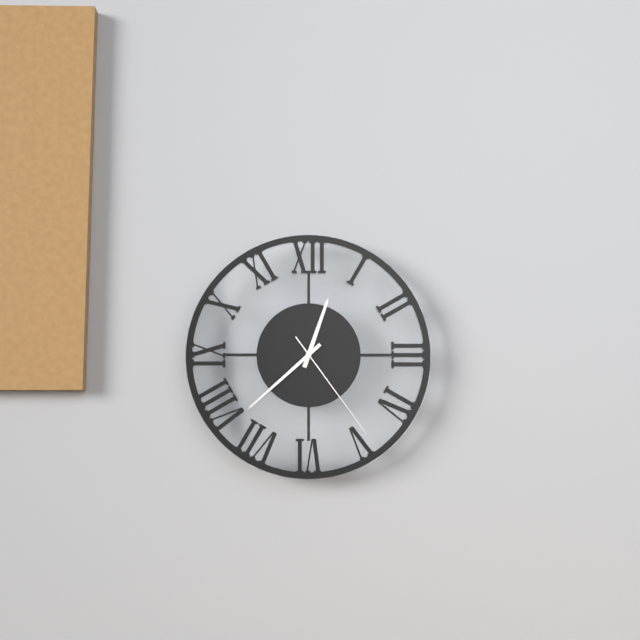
**12:38:24**
